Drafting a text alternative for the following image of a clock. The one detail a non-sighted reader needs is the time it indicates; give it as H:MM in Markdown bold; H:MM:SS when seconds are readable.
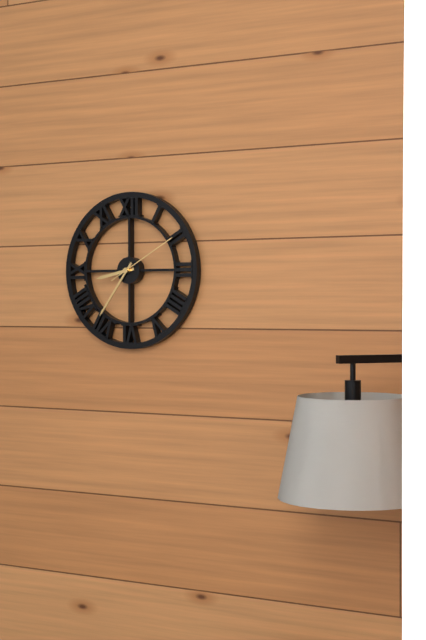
**8:36:10**
